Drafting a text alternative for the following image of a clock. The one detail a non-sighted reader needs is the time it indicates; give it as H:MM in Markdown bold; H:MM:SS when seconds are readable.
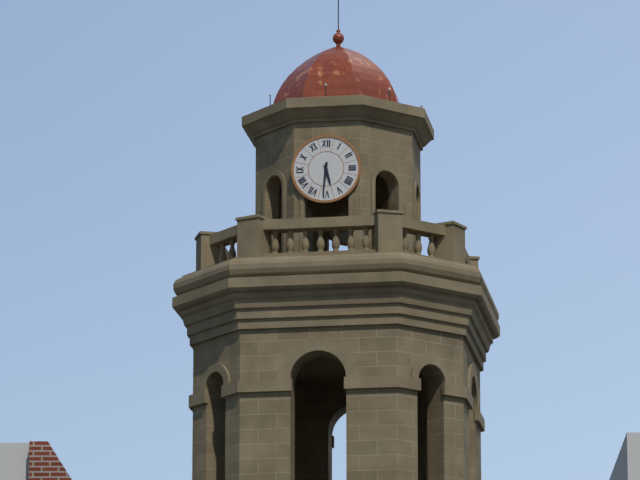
**5:31**
